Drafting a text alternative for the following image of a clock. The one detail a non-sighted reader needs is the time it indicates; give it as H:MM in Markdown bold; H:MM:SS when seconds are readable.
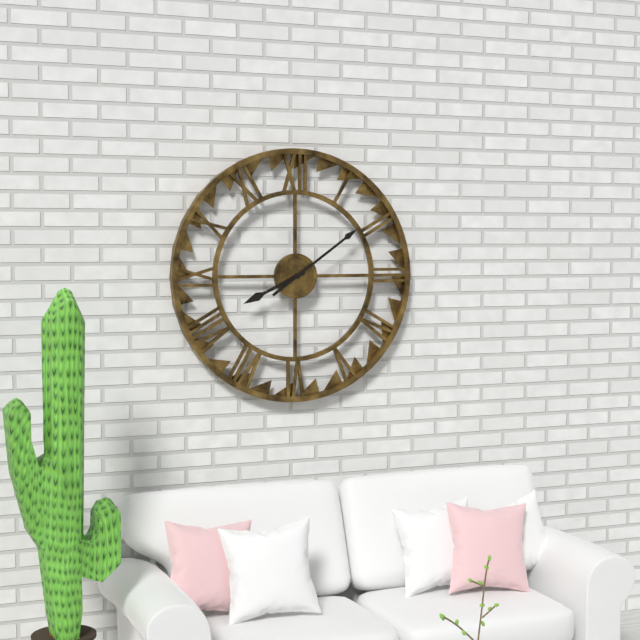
**8:09**
